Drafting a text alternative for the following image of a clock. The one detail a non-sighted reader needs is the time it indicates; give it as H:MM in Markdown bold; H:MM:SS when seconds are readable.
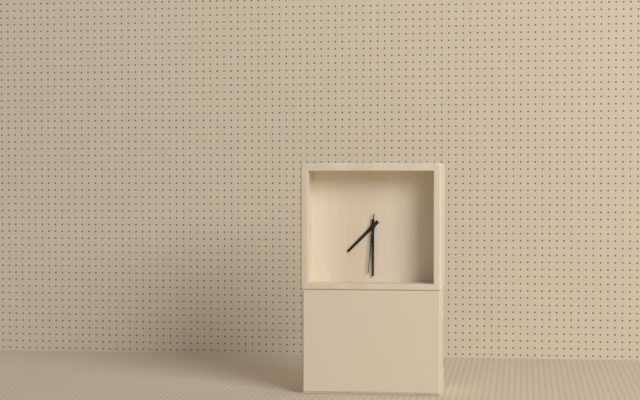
**7:30:31**
